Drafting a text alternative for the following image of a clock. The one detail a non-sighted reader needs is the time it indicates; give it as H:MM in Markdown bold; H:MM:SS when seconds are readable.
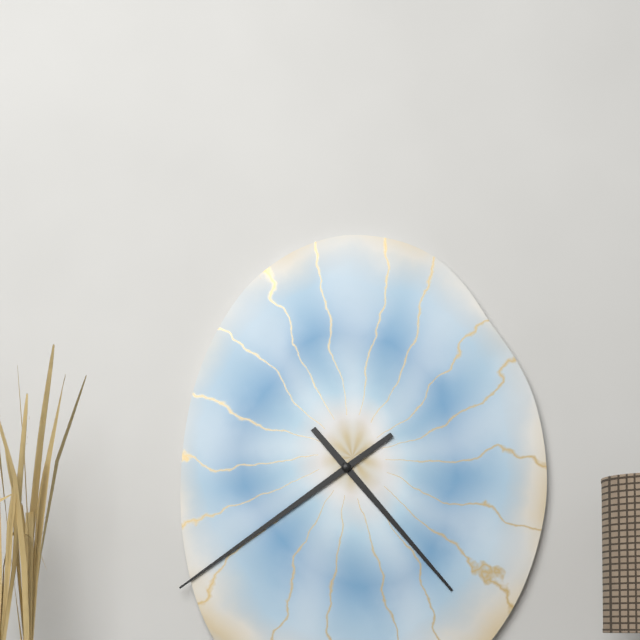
**4:39**
